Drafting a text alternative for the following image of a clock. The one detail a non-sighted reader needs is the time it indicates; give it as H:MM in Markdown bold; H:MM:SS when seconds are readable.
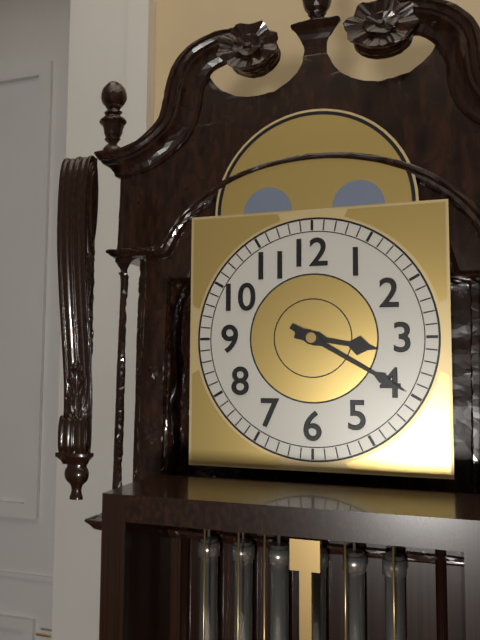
**3:20**
